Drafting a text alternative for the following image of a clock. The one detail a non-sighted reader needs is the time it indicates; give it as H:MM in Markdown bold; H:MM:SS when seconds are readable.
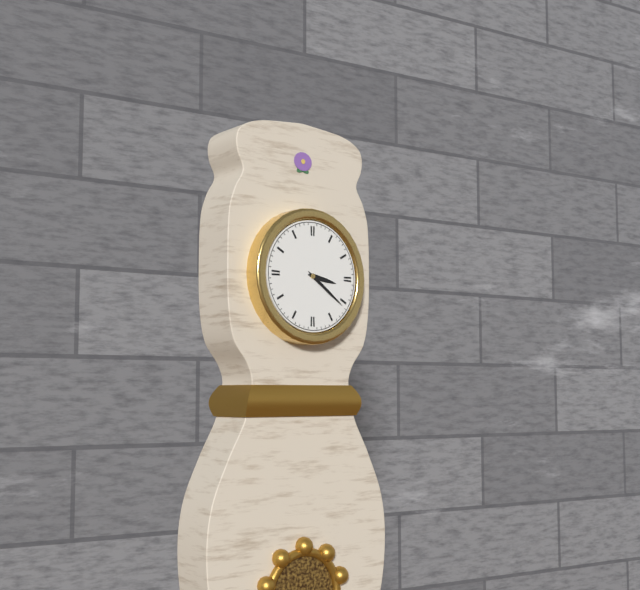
**3:21**
